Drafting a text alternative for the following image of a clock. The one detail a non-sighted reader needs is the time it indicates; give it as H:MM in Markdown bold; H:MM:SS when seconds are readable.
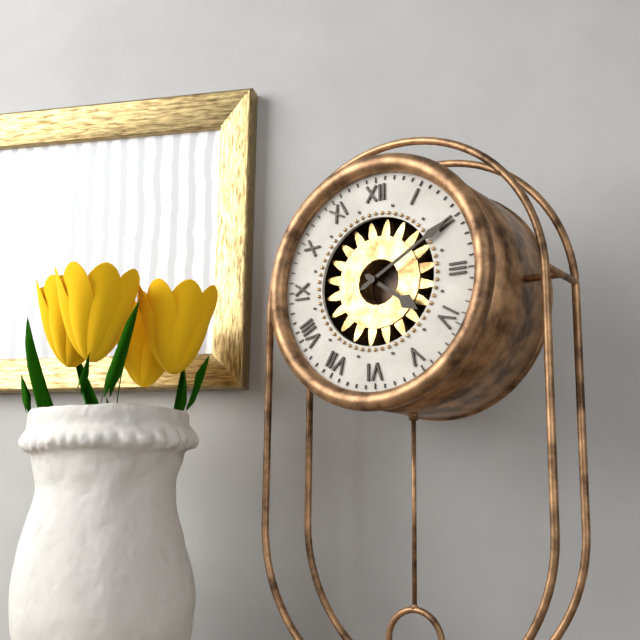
**4:10**
